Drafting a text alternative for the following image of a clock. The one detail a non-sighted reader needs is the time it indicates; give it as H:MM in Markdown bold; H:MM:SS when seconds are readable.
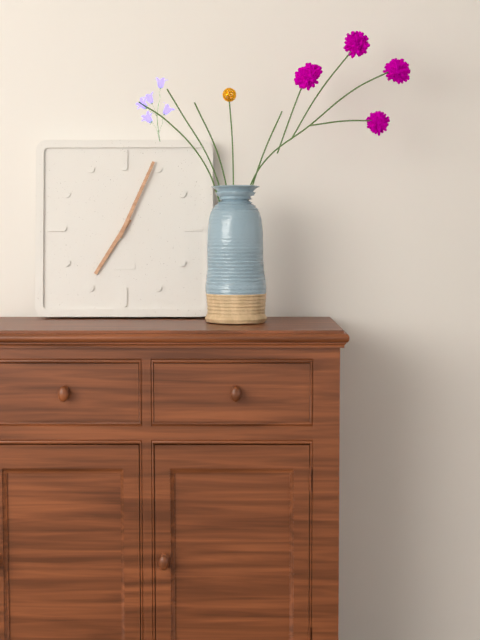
**7:04**
